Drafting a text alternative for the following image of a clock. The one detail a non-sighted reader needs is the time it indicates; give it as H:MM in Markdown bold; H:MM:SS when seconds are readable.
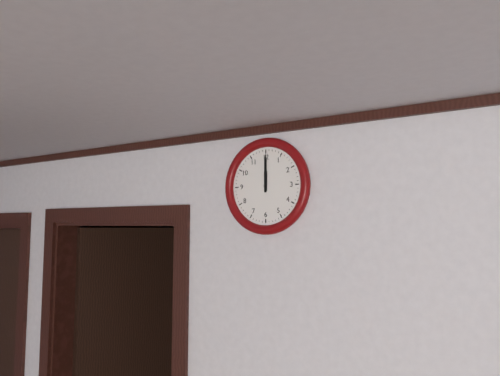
**12:00**
